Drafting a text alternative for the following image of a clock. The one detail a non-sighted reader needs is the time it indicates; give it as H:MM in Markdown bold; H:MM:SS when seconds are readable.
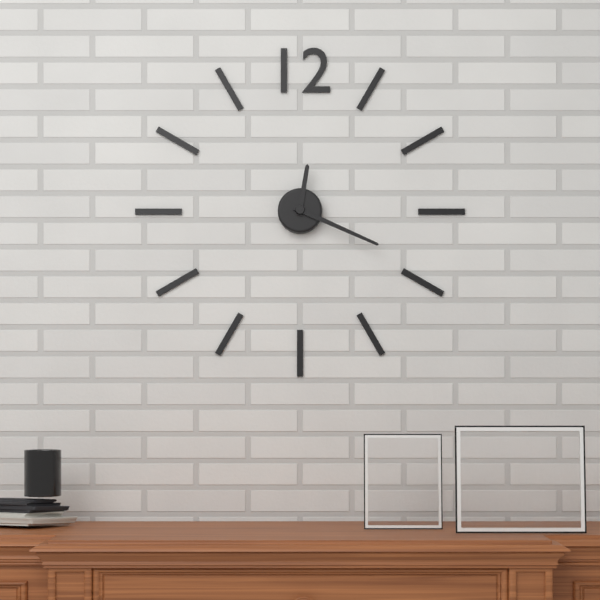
**12:19**
